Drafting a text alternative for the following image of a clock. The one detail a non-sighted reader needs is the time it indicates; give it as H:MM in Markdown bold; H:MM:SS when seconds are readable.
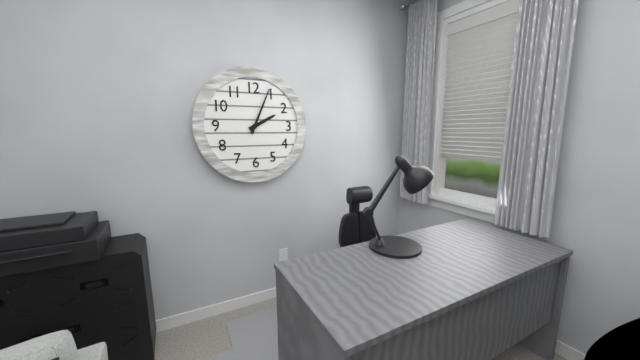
**2:04**
